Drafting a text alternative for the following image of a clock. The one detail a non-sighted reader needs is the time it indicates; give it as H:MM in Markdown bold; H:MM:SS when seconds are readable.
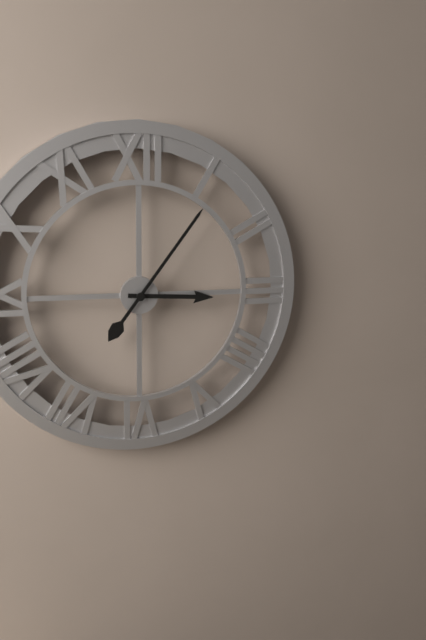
**3:06**
